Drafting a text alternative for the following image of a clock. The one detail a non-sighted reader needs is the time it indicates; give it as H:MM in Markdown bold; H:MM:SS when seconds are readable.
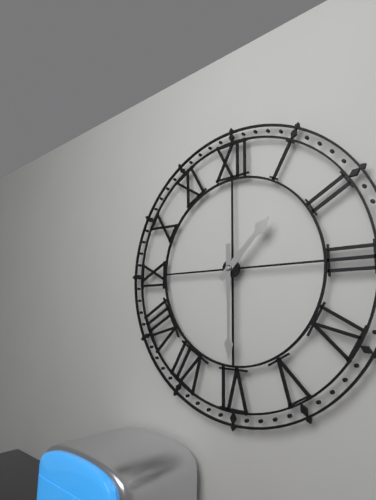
**1:30**
